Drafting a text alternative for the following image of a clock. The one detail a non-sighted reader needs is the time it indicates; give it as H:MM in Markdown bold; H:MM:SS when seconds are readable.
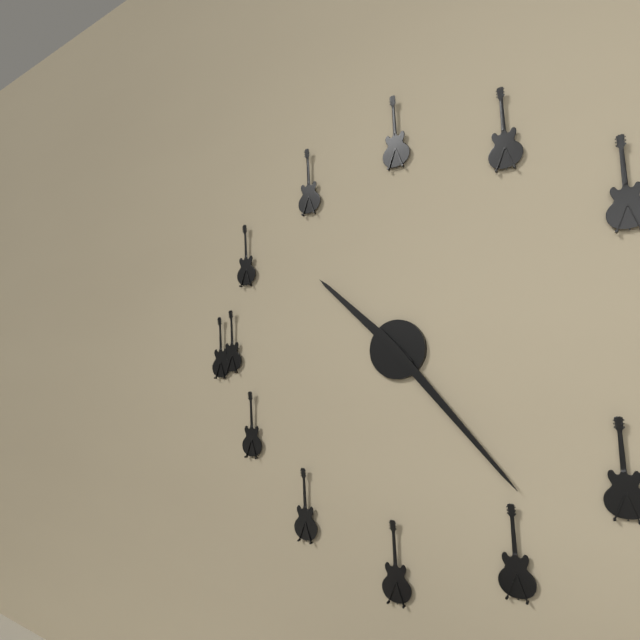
**10:23**
